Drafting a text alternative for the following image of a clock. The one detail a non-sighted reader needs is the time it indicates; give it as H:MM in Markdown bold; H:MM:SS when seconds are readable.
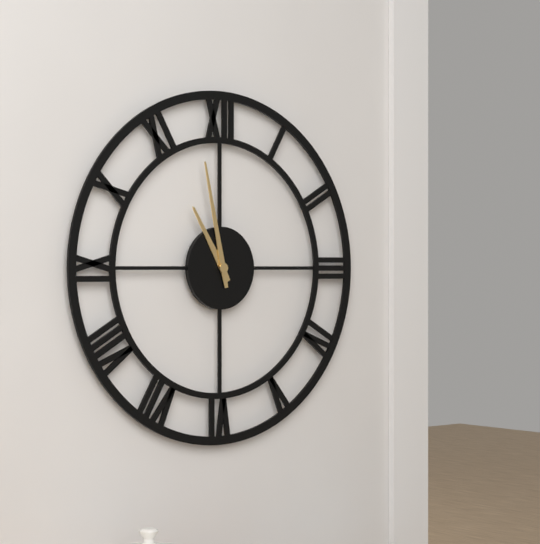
**10:58**
